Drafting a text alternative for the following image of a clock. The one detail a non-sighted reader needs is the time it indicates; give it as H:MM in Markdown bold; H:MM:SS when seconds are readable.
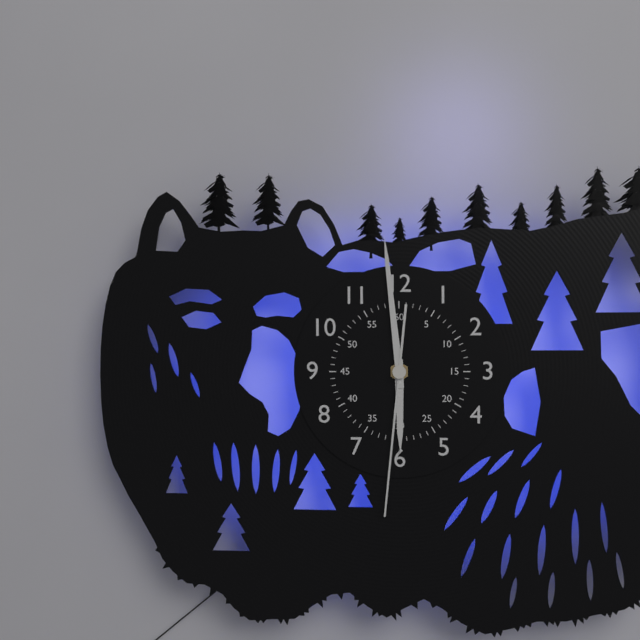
**5:59:31**
